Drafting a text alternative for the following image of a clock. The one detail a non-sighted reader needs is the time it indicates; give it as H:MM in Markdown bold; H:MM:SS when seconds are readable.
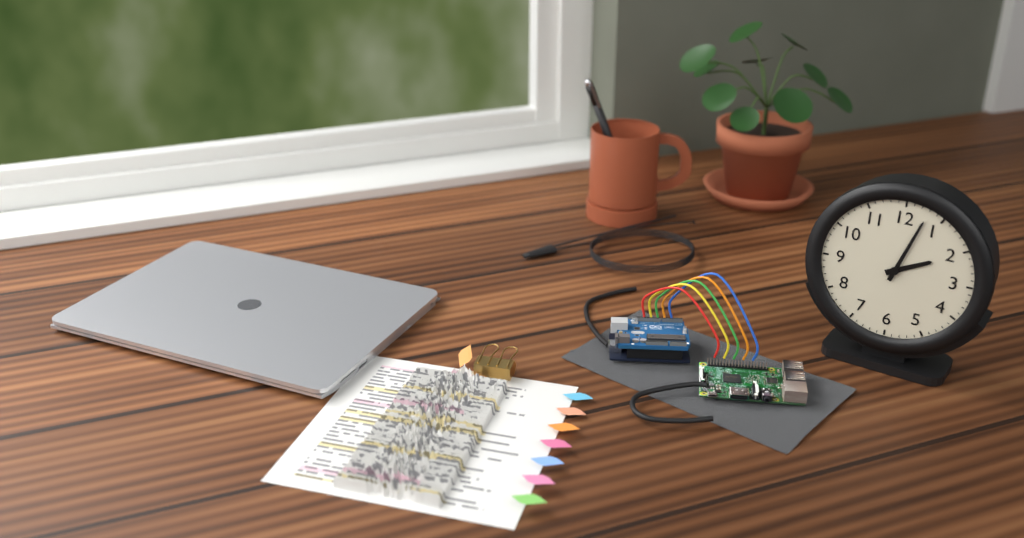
**2:03**
